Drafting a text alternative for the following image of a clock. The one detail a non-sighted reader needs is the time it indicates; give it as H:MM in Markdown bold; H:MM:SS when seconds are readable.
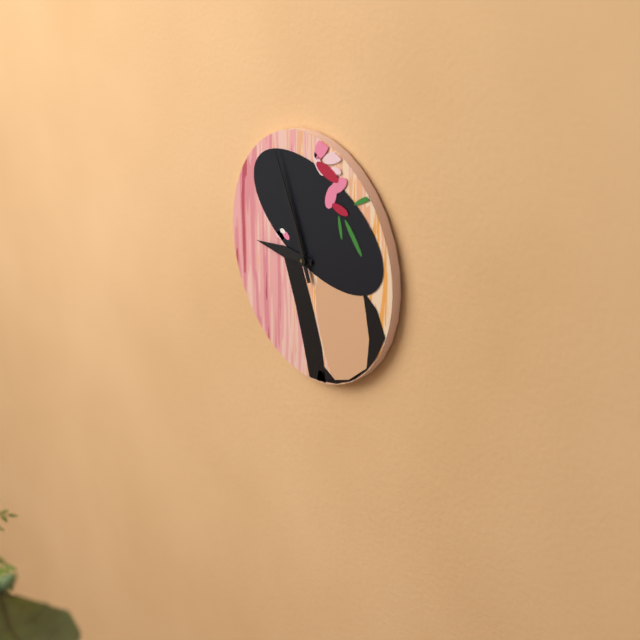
**8:56**
